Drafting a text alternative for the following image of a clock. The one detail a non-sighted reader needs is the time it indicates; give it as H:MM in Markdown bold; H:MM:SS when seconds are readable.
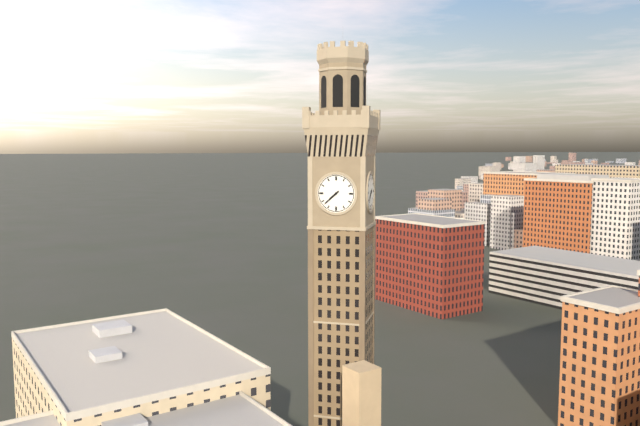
**7:38**
